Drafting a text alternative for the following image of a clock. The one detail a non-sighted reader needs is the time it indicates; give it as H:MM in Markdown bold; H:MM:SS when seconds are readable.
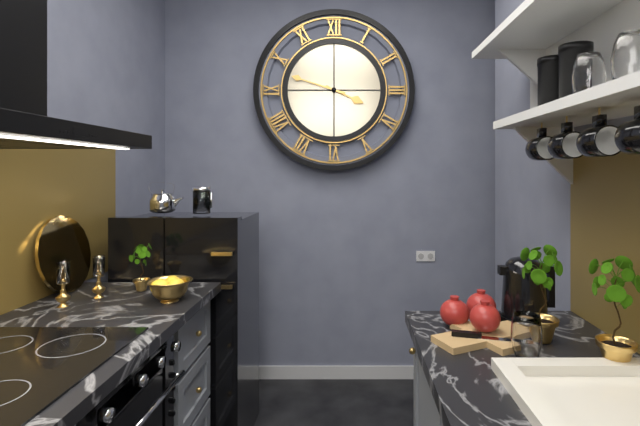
**3:48**
